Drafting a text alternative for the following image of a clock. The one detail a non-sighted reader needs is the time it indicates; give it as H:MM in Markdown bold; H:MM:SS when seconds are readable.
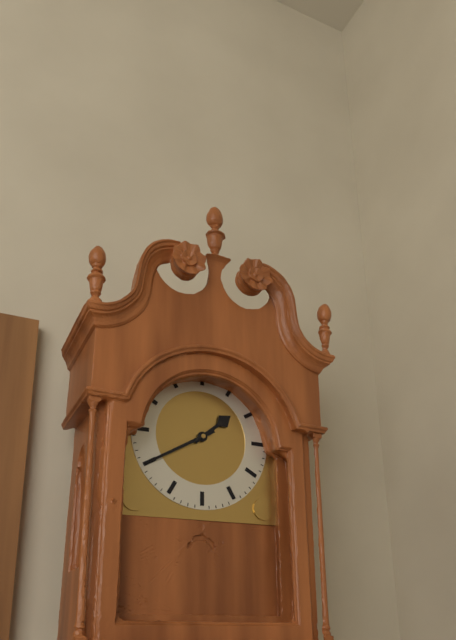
**1:40**
